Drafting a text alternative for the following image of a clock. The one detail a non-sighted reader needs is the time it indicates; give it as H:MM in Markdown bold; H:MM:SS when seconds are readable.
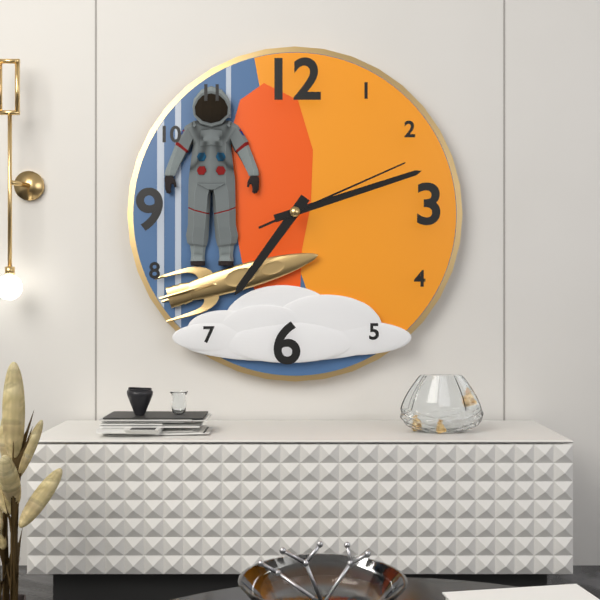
**7:12:11**
